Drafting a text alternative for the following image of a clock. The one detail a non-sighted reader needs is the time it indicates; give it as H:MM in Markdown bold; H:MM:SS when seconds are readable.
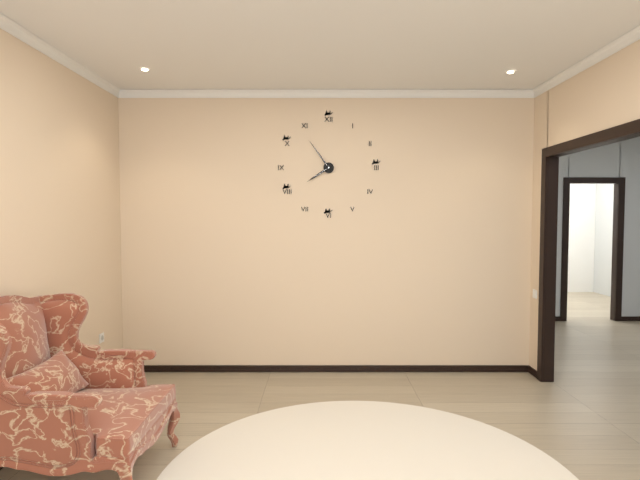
**7:54**
